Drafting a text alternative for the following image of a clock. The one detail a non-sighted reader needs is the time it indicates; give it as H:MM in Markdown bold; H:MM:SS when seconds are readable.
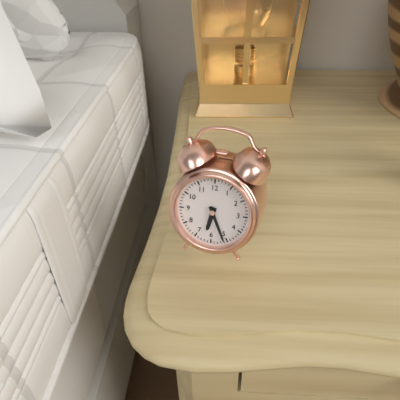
**6:26**
